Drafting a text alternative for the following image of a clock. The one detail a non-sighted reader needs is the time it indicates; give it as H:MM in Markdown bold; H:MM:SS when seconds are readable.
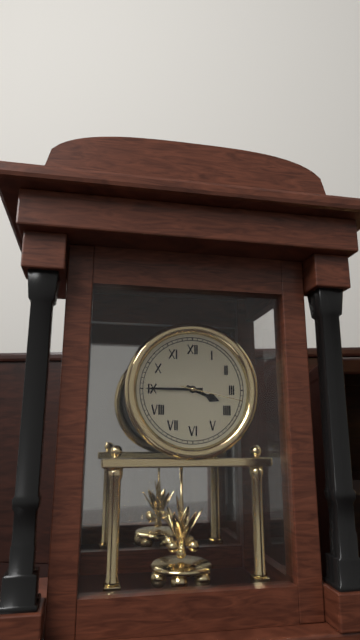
**3:45:17**
